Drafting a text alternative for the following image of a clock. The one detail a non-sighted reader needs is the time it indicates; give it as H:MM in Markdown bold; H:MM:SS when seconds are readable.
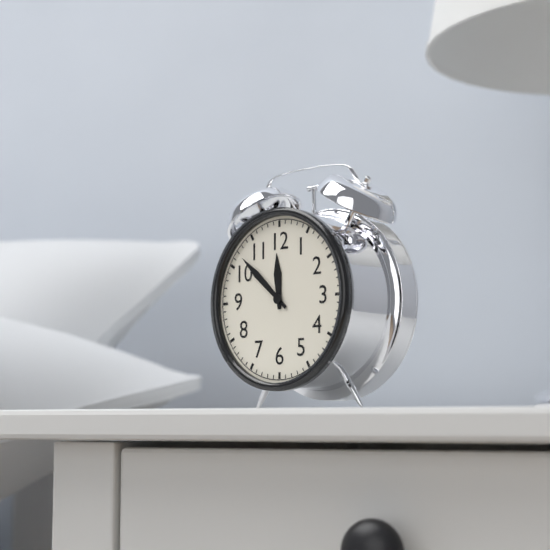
**11:52**
